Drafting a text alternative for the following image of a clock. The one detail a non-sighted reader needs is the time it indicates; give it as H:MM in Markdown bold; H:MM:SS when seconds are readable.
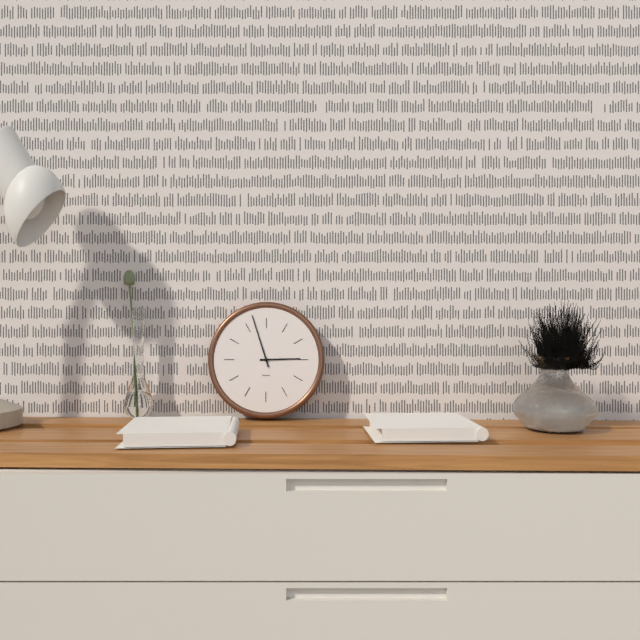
**2:57**
